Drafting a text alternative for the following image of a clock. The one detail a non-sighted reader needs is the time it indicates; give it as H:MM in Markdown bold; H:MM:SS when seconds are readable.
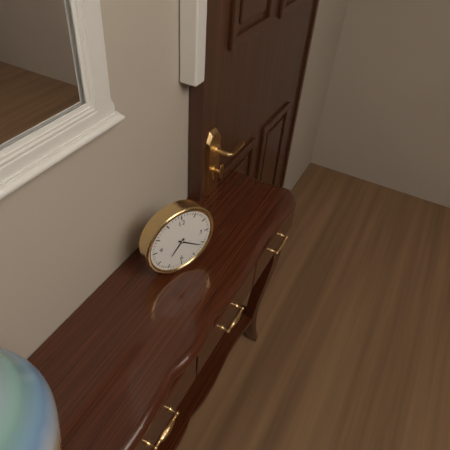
**7:21**
